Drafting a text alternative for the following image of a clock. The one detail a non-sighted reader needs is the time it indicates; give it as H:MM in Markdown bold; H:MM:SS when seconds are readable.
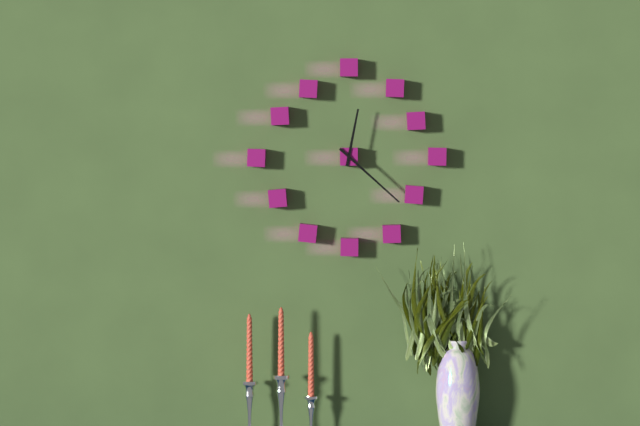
**12:22**
